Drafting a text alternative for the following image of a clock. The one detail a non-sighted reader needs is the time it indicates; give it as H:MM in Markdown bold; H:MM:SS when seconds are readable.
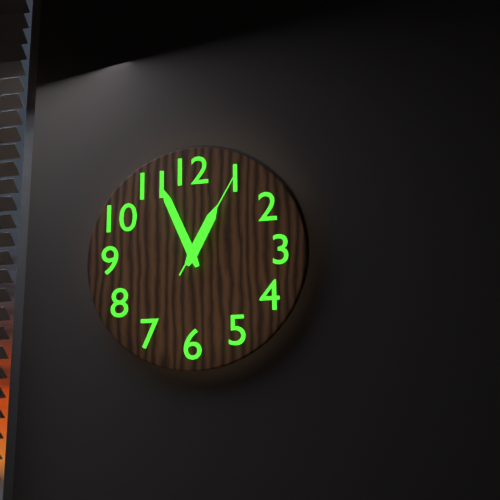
**12:56:05**
